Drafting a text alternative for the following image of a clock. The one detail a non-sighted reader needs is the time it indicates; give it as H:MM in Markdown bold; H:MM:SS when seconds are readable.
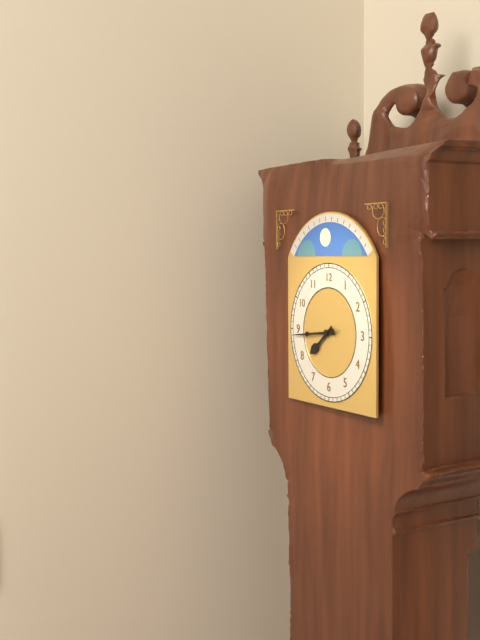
**7:44**
